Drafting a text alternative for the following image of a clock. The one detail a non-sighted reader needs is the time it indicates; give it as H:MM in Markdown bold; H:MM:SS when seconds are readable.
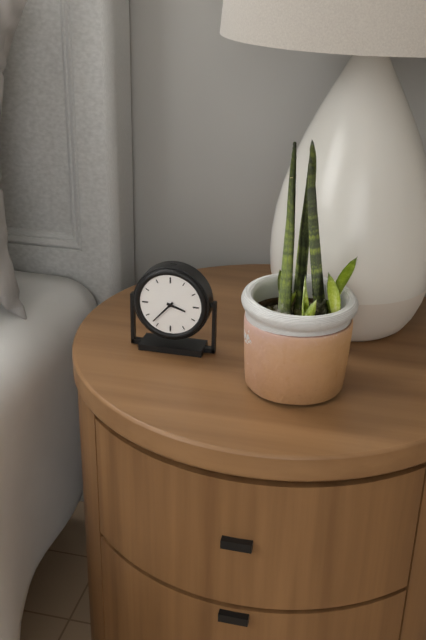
**3:37**
